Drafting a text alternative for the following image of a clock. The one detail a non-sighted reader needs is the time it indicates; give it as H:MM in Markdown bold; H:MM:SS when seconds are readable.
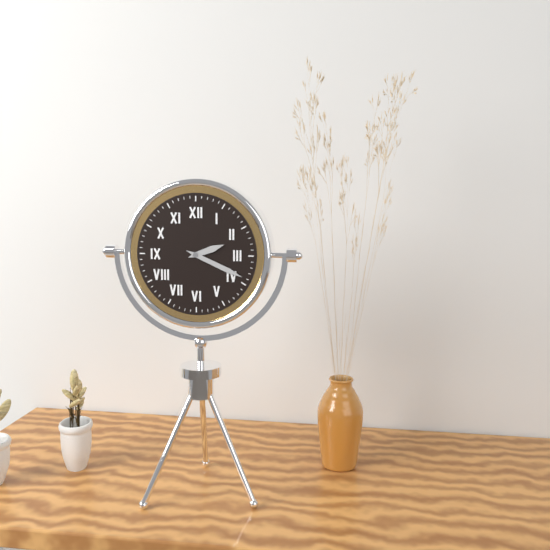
**2:19**
